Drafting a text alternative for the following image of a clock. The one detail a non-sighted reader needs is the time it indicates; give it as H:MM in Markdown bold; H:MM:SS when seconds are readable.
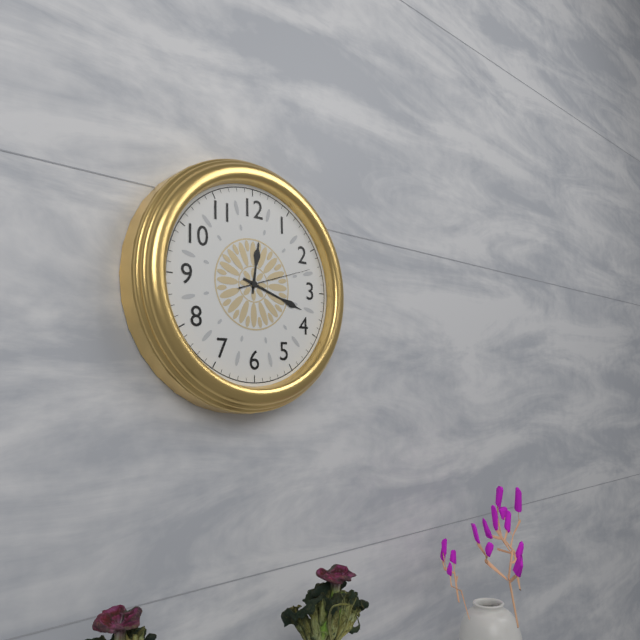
**12:18:12**
